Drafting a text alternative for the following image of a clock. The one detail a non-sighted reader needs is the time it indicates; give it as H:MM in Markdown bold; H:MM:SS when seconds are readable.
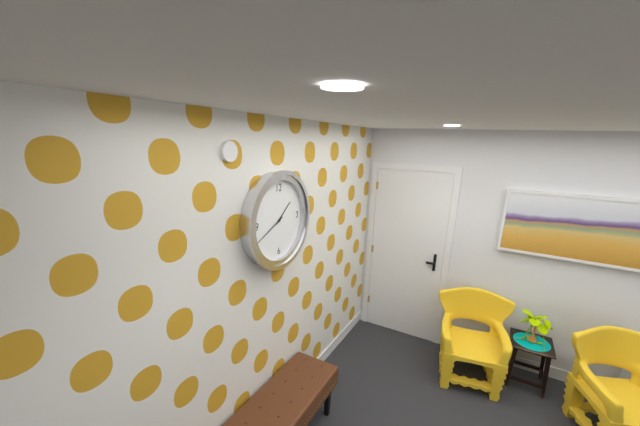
**1:41**
